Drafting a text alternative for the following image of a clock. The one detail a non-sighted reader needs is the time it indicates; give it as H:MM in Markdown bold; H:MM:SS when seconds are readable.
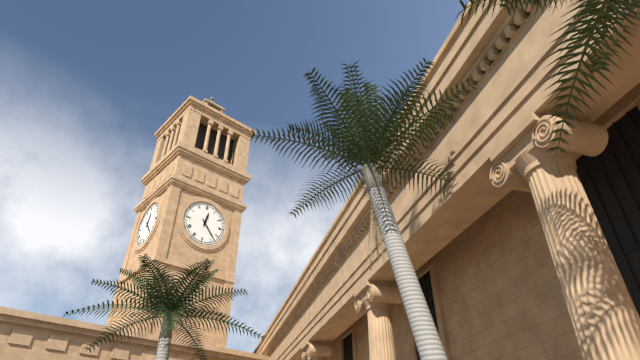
**12:23**
